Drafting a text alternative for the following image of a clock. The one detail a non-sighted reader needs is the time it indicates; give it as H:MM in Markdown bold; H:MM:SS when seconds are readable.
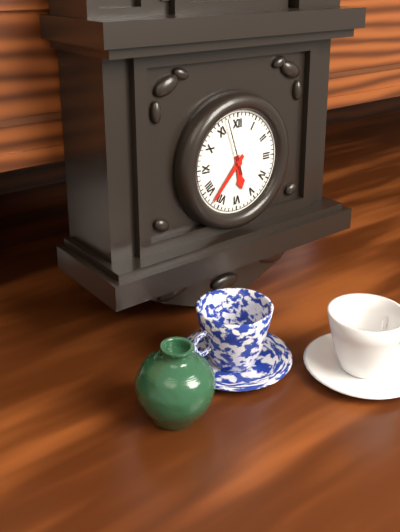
**5:37**
